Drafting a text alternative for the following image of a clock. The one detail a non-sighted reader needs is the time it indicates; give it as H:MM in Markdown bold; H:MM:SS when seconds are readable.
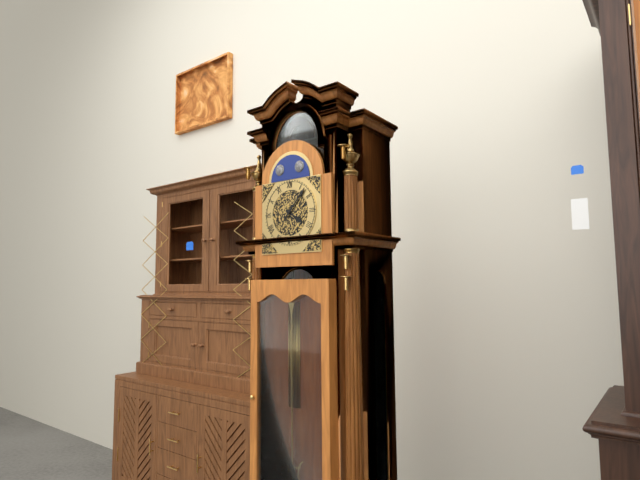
**4:07**
